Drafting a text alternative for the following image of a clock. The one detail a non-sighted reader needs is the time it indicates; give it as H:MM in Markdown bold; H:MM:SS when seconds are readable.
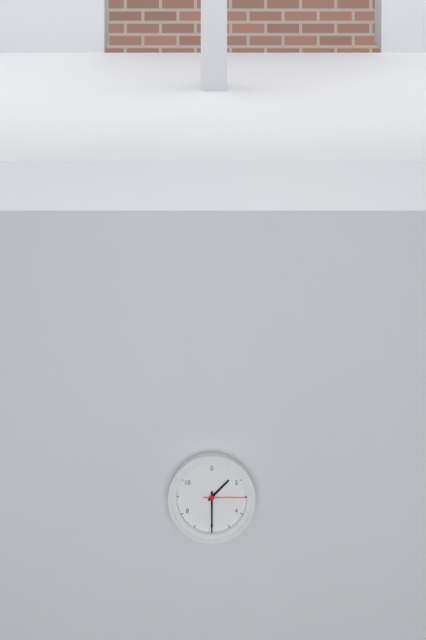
**1:30**
